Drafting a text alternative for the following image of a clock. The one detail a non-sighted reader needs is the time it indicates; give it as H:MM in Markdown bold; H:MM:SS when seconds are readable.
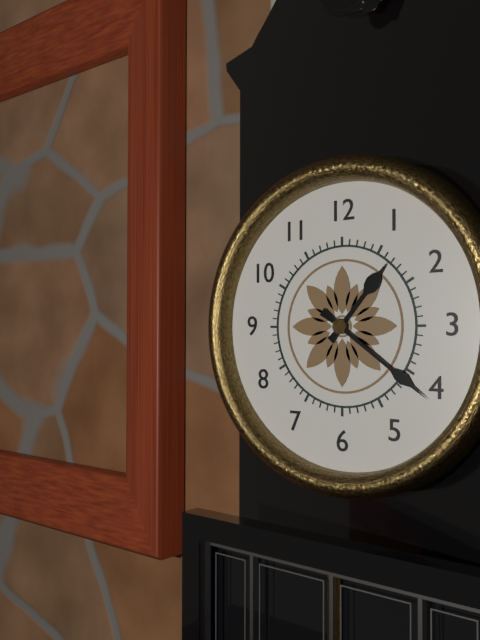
**1:21**
